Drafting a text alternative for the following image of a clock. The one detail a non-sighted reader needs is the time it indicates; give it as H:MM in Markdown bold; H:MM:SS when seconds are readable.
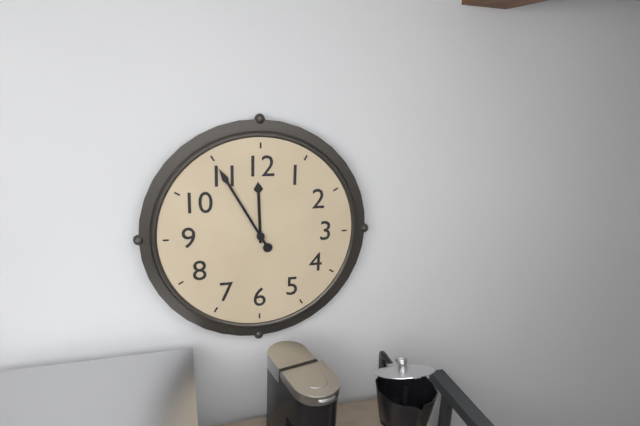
**11:55**
